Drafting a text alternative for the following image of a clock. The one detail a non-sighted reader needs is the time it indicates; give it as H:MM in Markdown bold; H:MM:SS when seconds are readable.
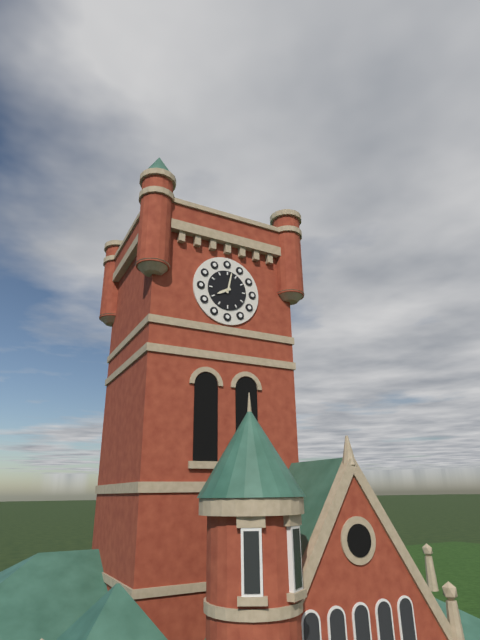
**8:02**
